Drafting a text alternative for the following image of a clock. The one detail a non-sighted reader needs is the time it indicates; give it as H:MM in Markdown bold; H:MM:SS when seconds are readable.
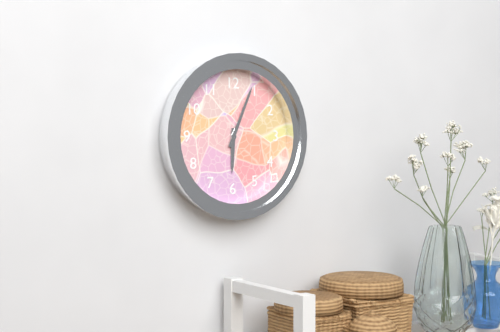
**6:04**
